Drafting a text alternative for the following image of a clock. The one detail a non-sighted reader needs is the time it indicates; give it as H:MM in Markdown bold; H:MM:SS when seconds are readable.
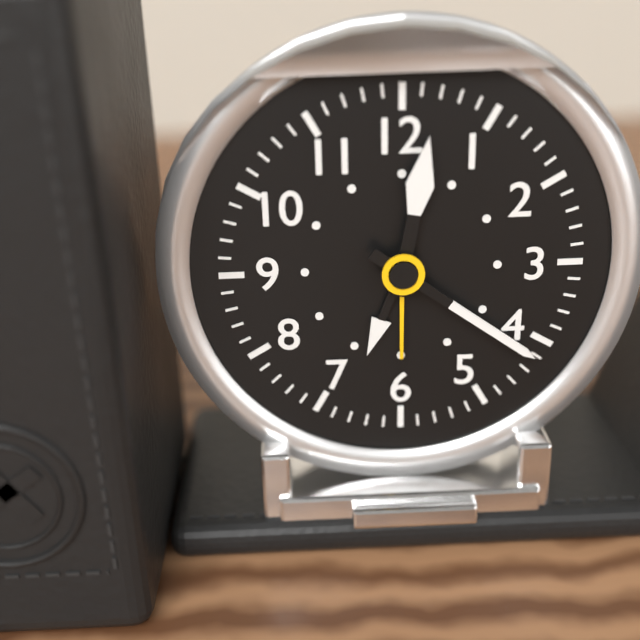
**12:21**
